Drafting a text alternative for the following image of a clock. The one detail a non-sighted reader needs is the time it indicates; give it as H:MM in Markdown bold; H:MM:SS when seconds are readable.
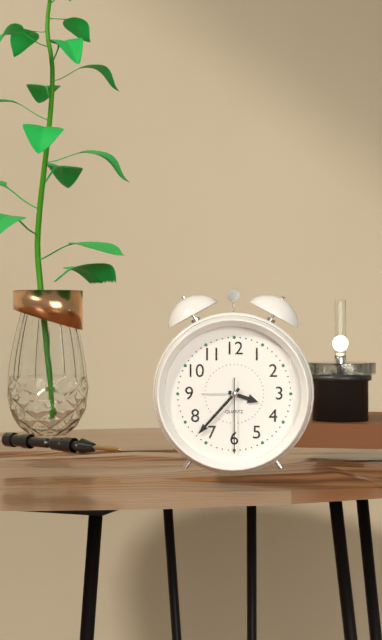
**3:37:30**
